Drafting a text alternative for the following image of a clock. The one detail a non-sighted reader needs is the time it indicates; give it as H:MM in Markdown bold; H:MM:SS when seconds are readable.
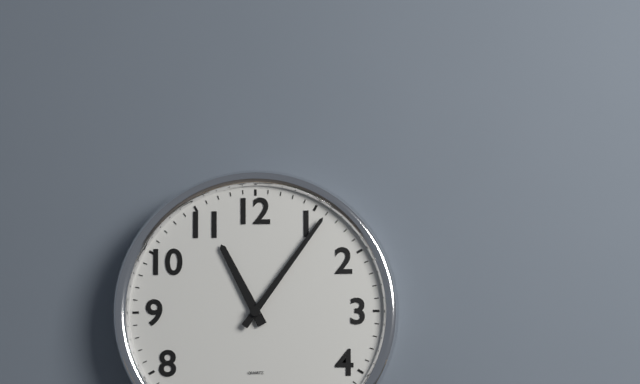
**11:06**
